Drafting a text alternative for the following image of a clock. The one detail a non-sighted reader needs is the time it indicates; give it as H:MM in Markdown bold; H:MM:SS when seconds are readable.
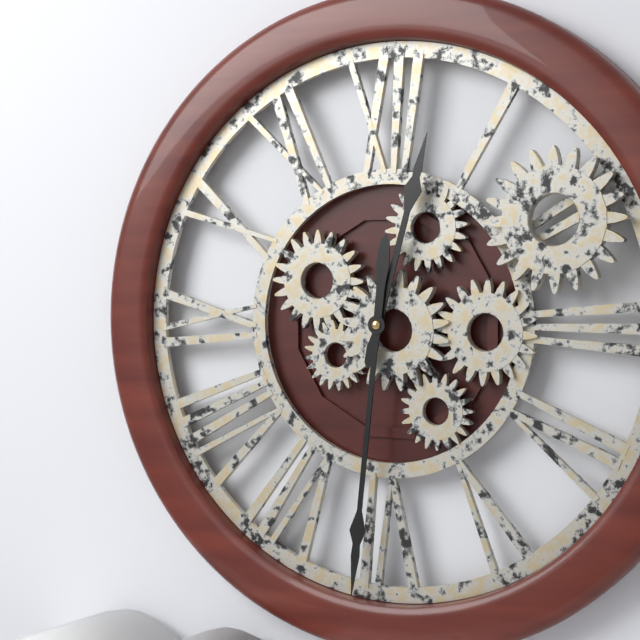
**12:31**
